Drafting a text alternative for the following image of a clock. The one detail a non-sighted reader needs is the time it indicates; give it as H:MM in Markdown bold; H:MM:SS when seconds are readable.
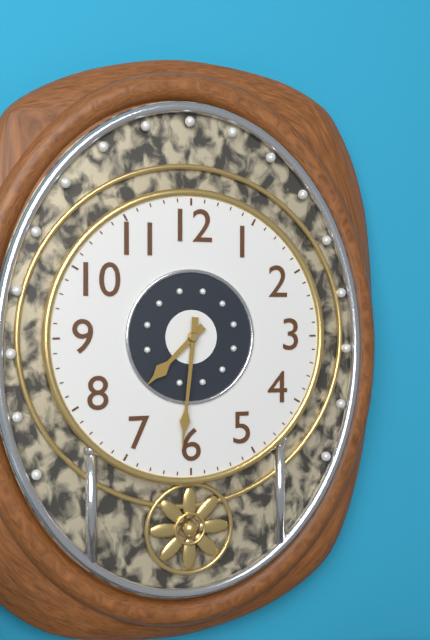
**7:31**
